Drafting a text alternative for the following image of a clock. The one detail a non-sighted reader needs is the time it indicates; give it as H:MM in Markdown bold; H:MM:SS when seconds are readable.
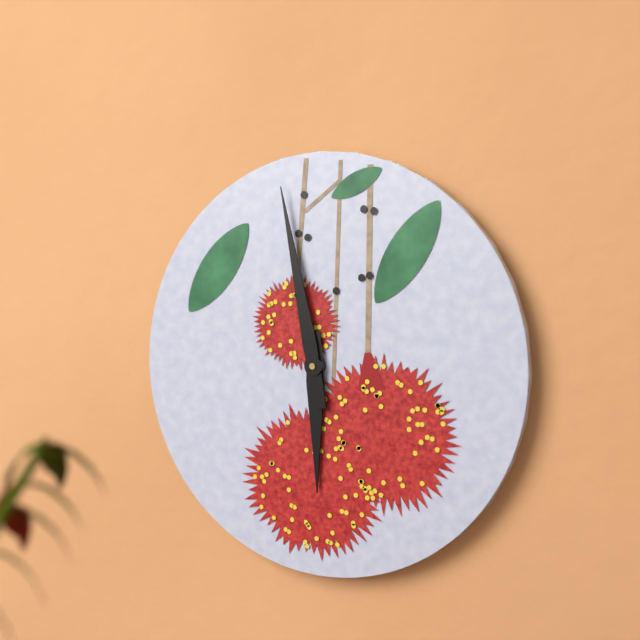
**5:58**
